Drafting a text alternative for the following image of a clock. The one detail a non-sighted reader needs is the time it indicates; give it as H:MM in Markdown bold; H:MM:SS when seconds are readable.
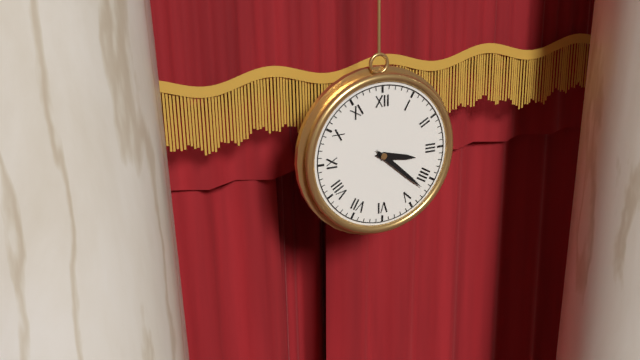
**3:22**
